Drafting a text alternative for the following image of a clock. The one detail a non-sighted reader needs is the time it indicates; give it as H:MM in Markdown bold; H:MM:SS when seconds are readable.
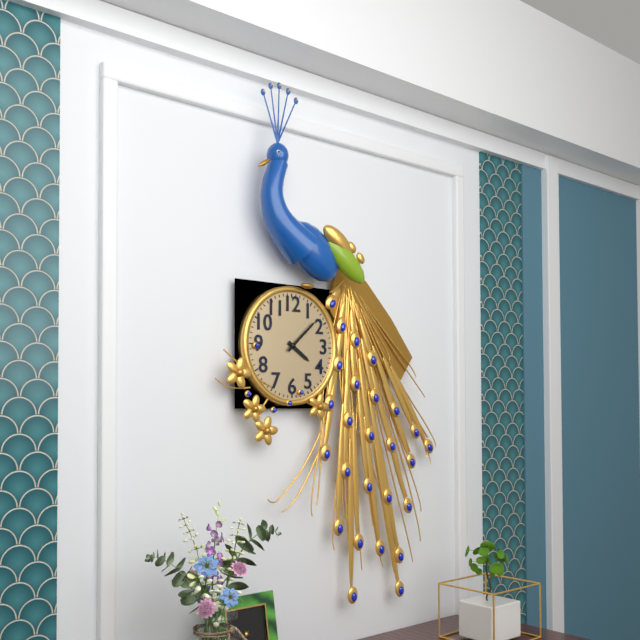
**4:08**
